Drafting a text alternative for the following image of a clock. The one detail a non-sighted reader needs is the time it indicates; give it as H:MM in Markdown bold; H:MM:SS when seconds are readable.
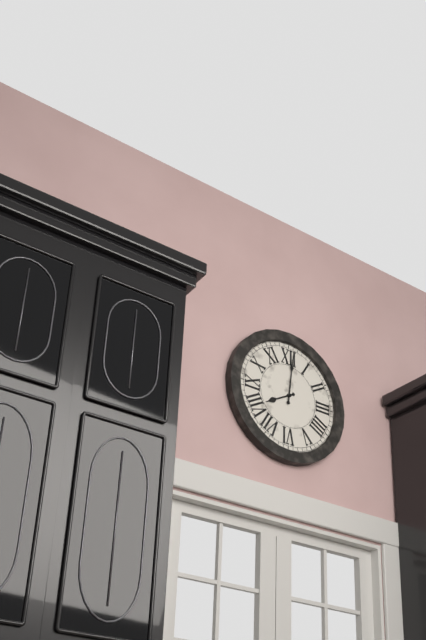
**8:01**
